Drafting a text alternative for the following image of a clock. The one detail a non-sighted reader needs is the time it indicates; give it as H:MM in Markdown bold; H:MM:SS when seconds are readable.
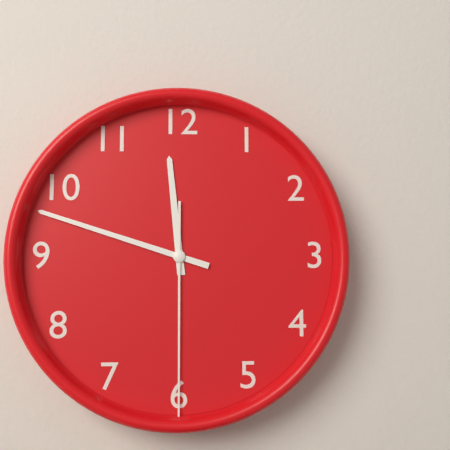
**11:48:30**
